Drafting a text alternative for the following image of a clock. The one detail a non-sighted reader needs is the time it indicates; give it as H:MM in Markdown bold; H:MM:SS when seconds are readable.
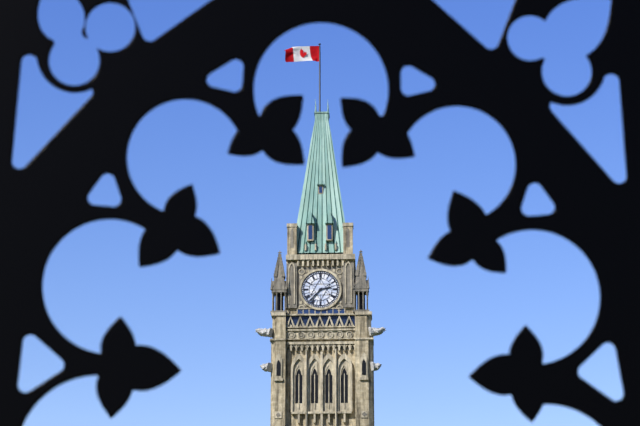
**2:37**
